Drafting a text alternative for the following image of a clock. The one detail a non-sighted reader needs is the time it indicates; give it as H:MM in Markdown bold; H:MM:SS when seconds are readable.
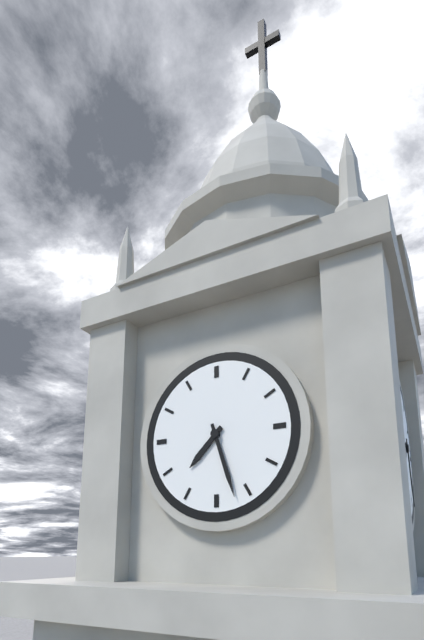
**7:27**
